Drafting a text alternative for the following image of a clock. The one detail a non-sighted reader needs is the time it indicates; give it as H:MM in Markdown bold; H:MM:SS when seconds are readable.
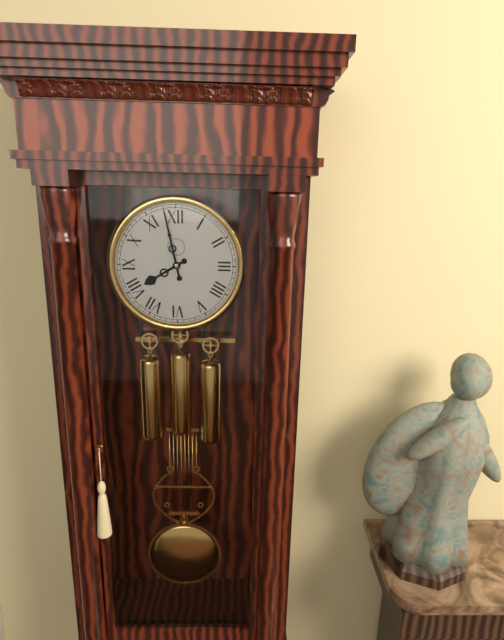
**7:58**
